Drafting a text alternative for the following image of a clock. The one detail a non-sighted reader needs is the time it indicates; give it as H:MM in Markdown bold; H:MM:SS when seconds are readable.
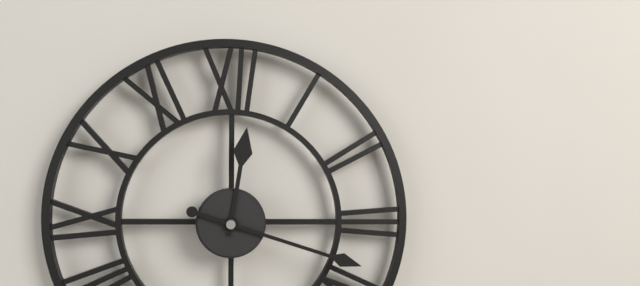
**12:18**
